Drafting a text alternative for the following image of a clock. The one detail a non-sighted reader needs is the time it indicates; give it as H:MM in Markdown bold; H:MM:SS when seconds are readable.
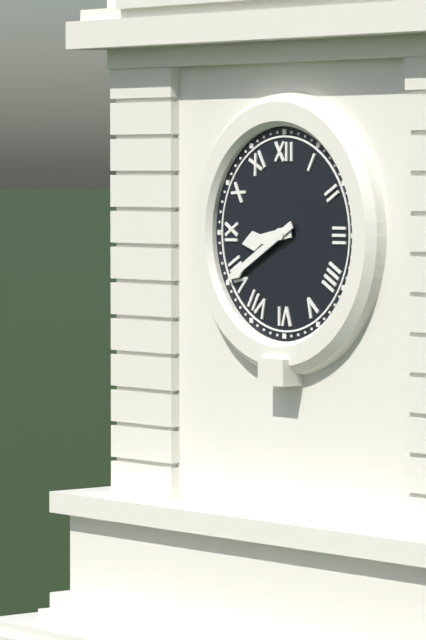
**8:40**
